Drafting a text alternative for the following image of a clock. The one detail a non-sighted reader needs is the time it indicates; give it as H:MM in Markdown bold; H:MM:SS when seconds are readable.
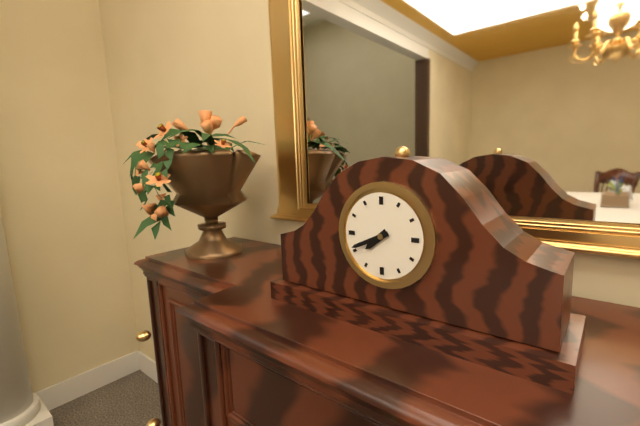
**7:41**
